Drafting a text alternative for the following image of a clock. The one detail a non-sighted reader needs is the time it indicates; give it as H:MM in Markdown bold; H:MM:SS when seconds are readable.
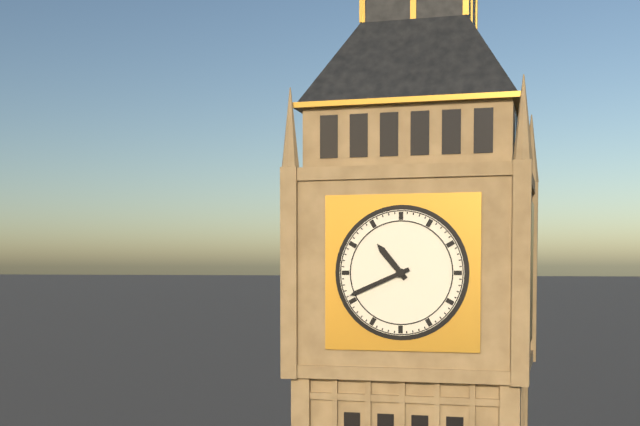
**10:41**
